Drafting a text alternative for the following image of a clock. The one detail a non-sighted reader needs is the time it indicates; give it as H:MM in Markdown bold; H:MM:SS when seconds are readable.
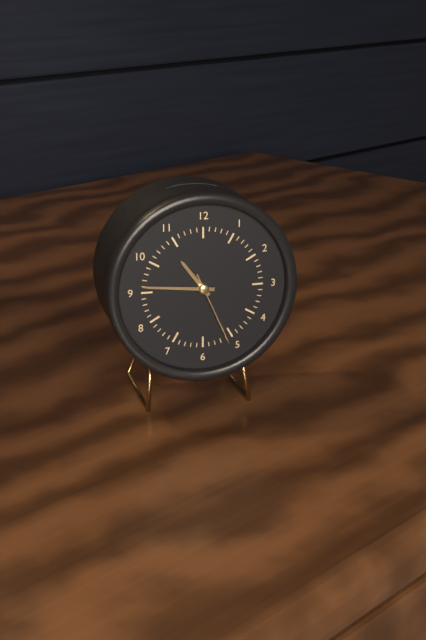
**10:46:26**
